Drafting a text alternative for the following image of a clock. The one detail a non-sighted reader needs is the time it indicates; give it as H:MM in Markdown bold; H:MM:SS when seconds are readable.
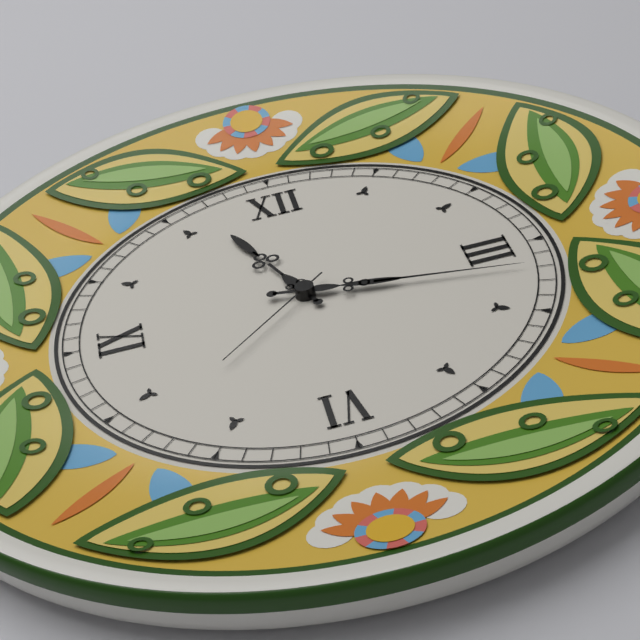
**11:17:38**
